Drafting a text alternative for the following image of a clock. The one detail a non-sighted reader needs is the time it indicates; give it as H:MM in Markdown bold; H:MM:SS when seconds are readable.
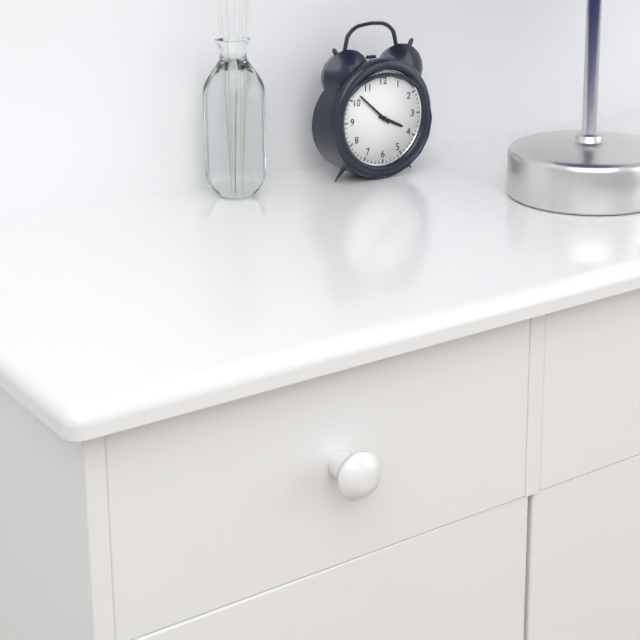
**3:52**
